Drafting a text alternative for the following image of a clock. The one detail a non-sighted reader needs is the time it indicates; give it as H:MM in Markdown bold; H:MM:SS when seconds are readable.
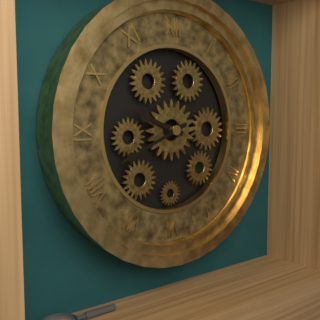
**9:41**
